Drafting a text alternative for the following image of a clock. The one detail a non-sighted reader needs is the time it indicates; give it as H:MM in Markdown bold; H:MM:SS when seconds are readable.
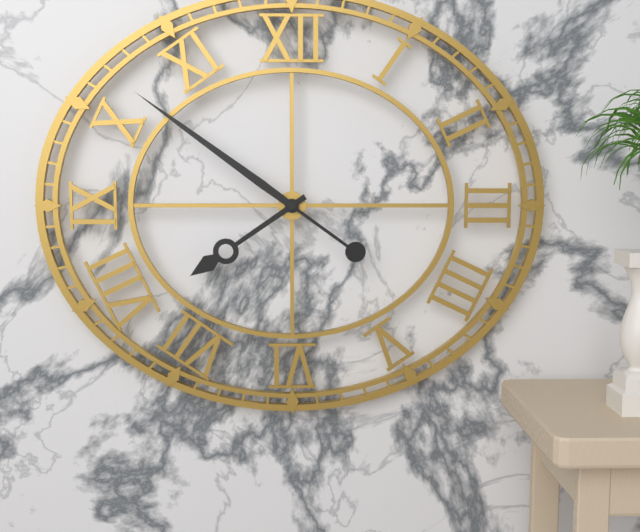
**7:51**
